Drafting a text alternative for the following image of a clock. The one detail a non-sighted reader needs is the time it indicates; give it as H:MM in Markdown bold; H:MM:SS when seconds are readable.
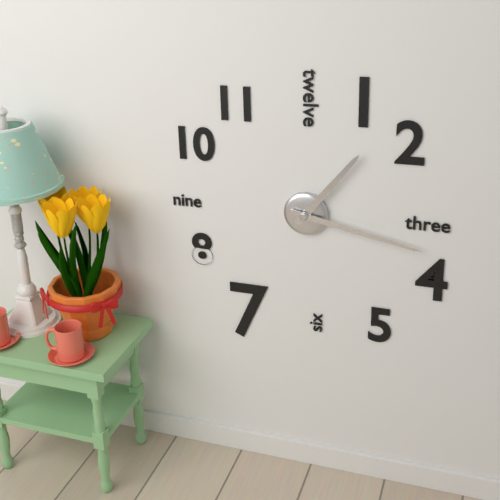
**1:17**
